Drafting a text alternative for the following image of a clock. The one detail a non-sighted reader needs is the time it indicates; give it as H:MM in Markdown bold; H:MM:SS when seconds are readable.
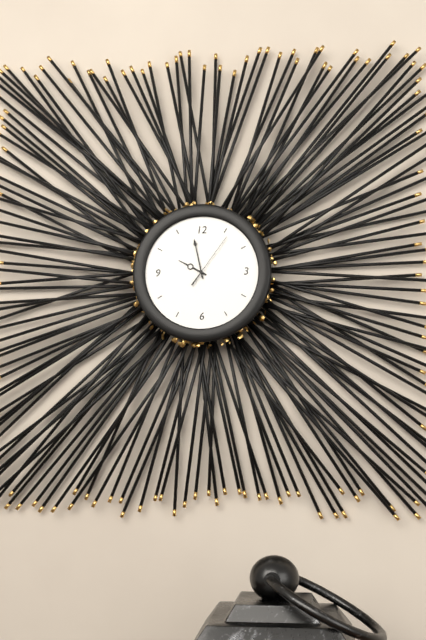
**9:58:06**
